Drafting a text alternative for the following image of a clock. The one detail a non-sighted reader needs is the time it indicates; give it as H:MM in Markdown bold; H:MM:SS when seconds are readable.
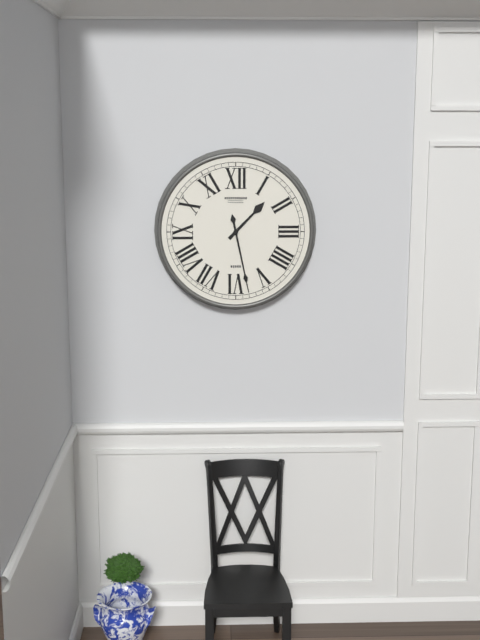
**1:28**
